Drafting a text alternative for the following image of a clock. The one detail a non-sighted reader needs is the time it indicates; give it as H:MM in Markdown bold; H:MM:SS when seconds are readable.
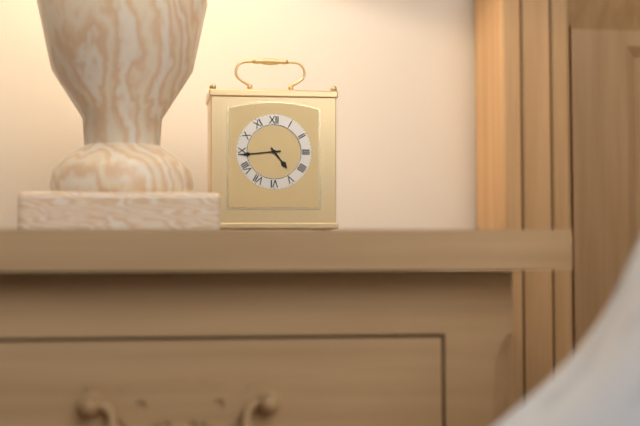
**4:44**
